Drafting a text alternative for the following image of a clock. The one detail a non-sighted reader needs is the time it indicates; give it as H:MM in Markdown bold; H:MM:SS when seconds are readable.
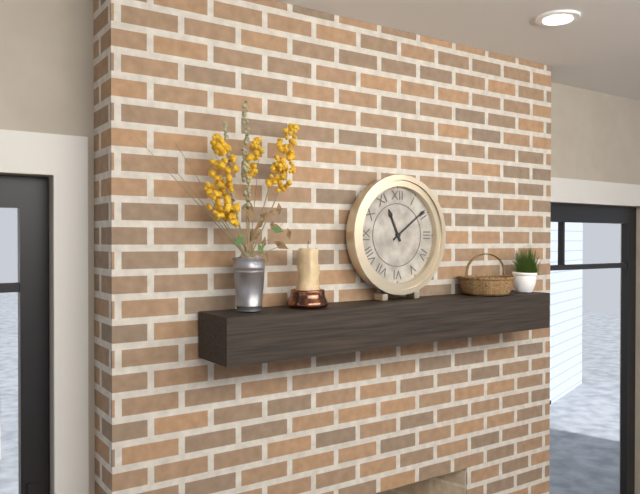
**11:09**
